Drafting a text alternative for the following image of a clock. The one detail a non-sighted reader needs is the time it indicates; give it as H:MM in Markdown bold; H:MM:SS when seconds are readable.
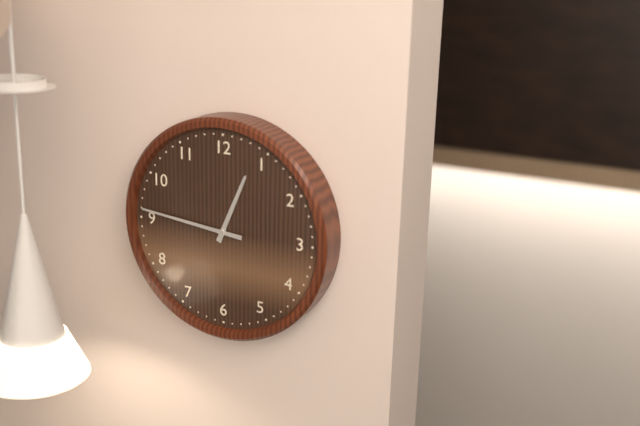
**12:46**
